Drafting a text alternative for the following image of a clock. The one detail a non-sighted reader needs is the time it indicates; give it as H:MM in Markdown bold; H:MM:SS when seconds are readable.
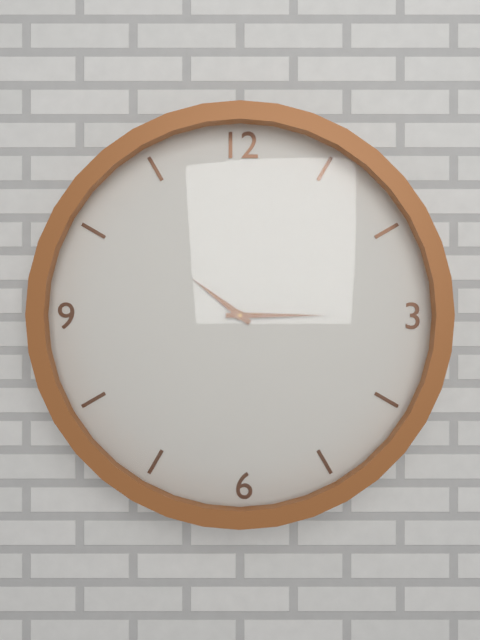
**10:15**
